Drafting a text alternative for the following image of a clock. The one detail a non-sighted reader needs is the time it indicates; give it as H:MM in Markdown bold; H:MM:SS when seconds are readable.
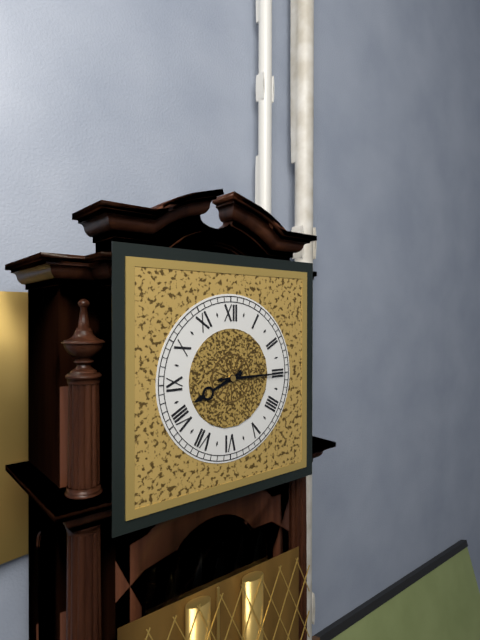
**8:15**
